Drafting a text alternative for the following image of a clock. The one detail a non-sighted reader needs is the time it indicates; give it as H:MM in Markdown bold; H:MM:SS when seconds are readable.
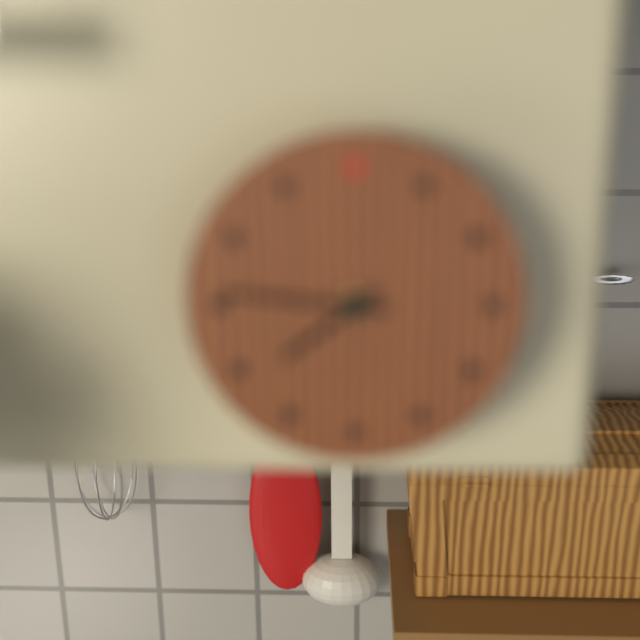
**7:46**
